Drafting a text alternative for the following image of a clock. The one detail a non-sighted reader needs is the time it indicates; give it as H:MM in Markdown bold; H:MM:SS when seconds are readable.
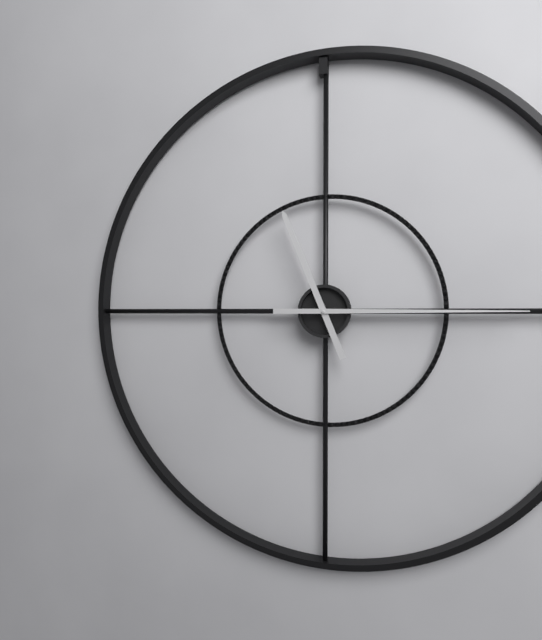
**11:15**
